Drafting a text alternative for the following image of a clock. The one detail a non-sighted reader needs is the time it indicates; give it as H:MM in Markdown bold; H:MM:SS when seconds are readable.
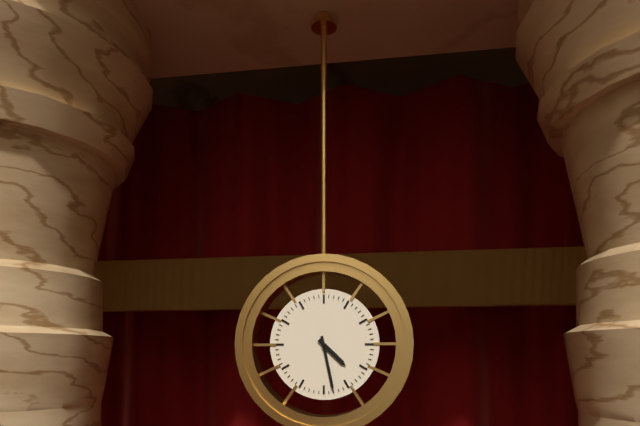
**4:28**
